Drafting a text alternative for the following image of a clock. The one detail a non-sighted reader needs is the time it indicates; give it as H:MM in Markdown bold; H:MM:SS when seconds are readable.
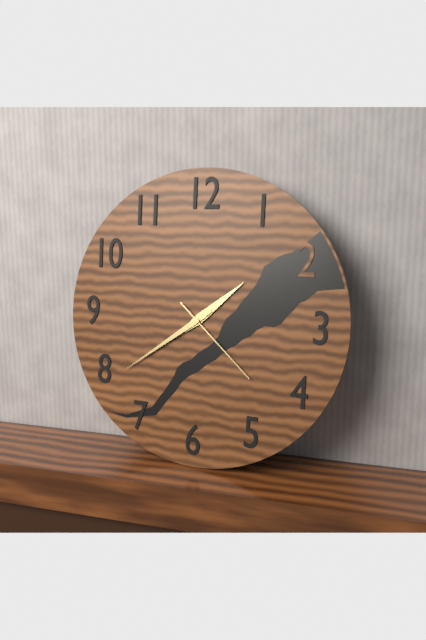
**1:39:22**
